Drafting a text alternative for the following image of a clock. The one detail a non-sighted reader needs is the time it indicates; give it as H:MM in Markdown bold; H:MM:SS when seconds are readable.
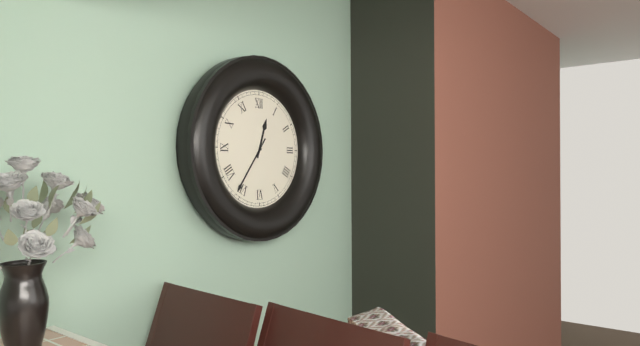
**12:36**
